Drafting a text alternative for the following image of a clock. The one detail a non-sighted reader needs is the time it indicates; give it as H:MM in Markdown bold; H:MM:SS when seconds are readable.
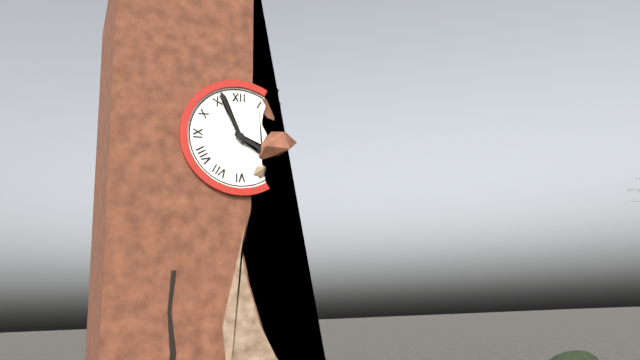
**3:56**
